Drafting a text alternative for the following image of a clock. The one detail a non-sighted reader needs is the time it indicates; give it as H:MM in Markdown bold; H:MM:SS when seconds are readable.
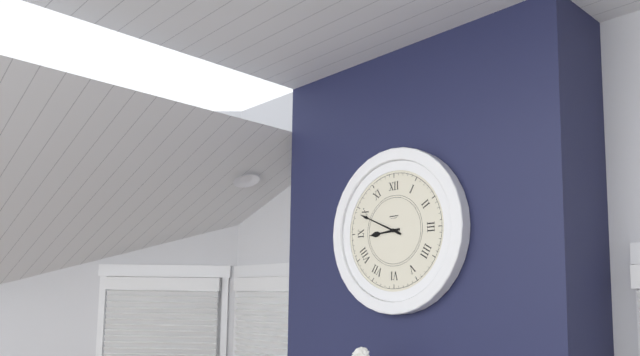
**8:49**
